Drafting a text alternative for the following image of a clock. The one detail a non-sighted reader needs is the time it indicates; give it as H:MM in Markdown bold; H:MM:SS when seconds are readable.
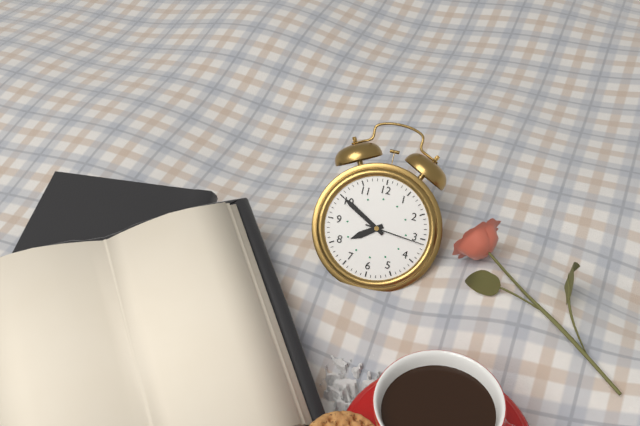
**7:50:16**
